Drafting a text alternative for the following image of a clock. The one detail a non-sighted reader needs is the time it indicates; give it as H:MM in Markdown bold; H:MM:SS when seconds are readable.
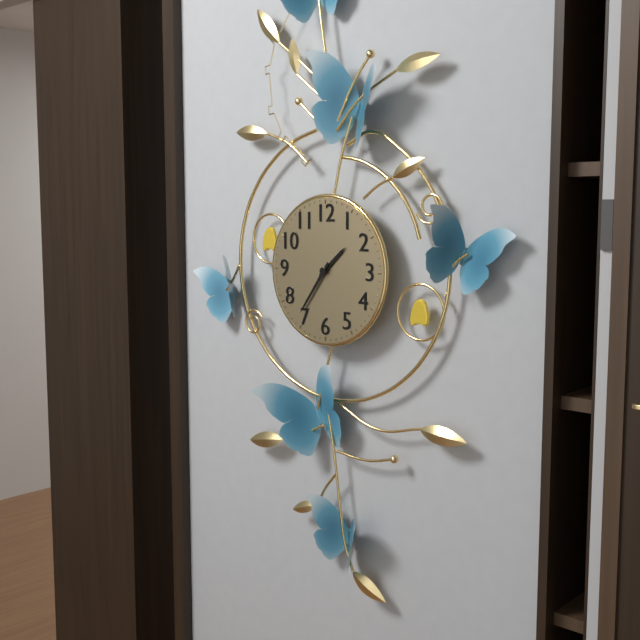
**1:36**
